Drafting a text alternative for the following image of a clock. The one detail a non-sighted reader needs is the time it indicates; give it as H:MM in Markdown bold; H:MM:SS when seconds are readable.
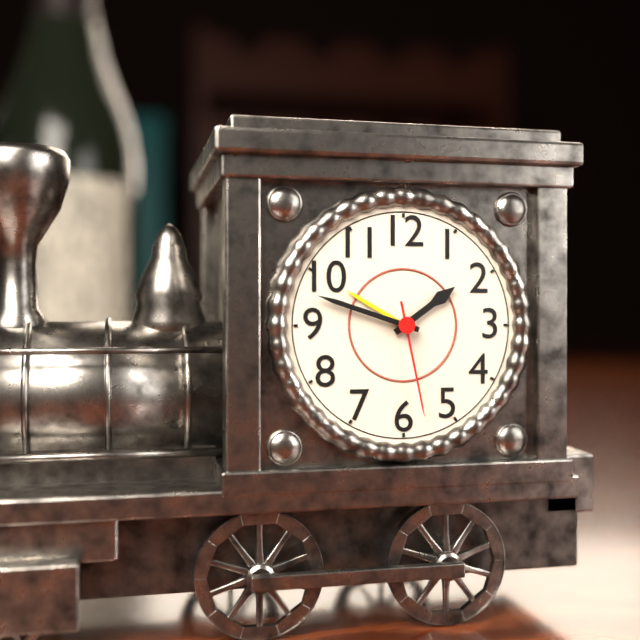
**1:48:28**
